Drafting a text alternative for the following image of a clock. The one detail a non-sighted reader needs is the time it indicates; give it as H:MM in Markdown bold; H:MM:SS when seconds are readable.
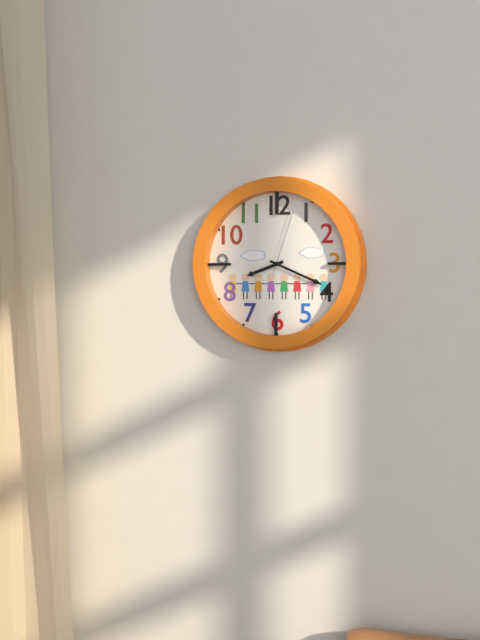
**8:19:03**
